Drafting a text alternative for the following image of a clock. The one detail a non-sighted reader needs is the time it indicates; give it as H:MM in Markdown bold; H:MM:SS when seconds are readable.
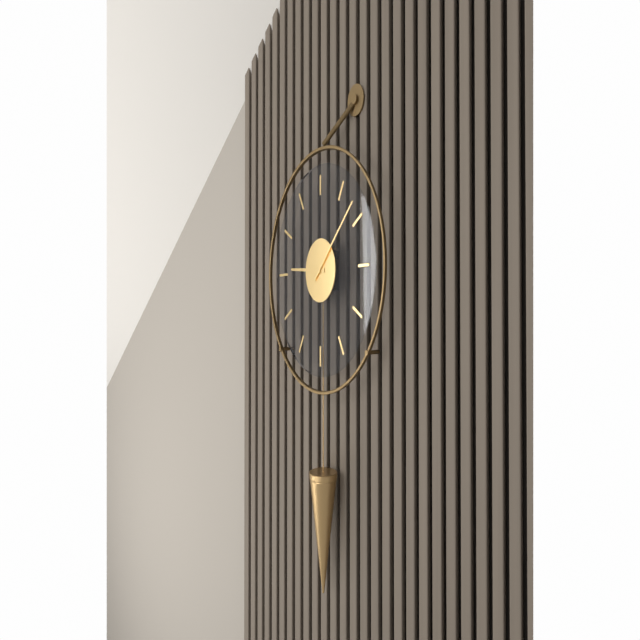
**9:08**
